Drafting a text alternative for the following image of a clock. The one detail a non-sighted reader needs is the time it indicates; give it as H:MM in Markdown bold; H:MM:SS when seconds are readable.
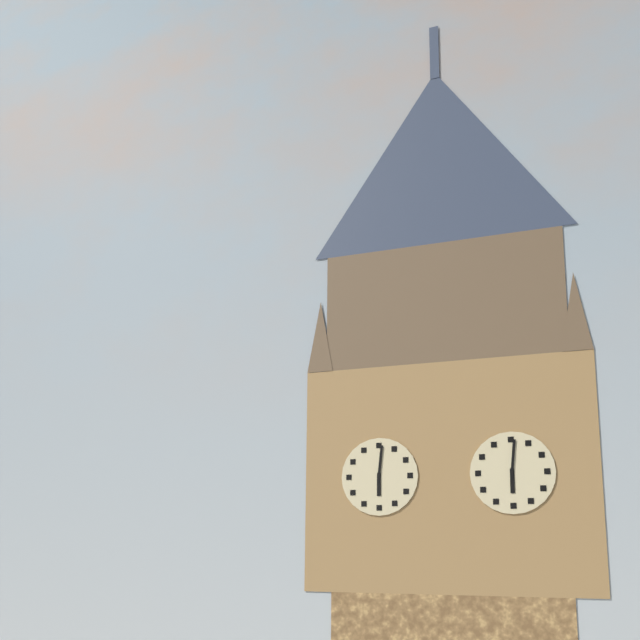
**6:01**
